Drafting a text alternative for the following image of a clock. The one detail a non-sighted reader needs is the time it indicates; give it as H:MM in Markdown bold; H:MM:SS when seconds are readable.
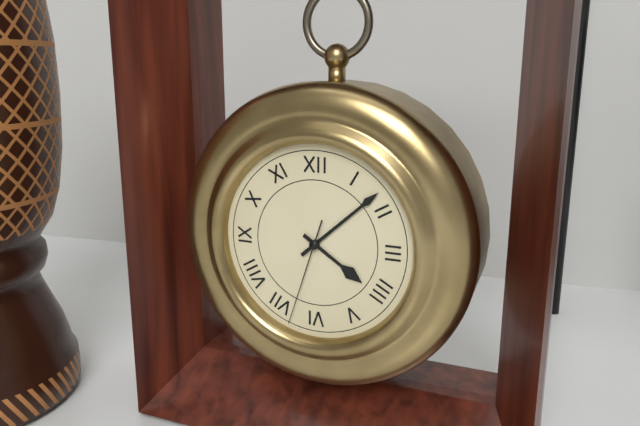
**4:08:33**
